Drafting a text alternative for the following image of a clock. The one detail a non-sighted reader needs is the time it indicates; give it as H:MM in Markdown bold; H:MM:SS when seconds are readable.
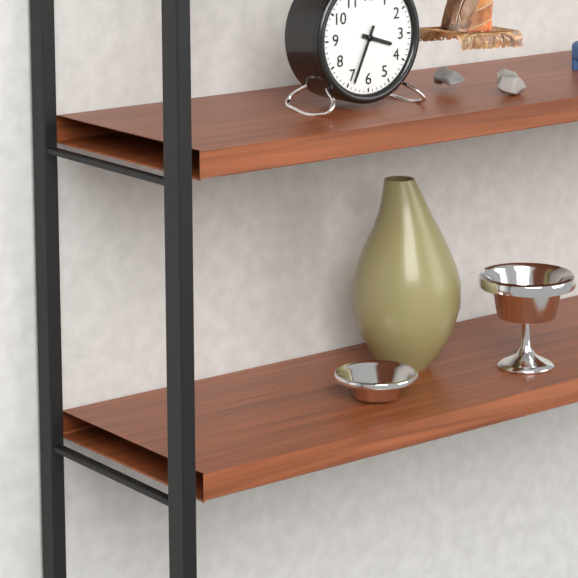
**3:34**
